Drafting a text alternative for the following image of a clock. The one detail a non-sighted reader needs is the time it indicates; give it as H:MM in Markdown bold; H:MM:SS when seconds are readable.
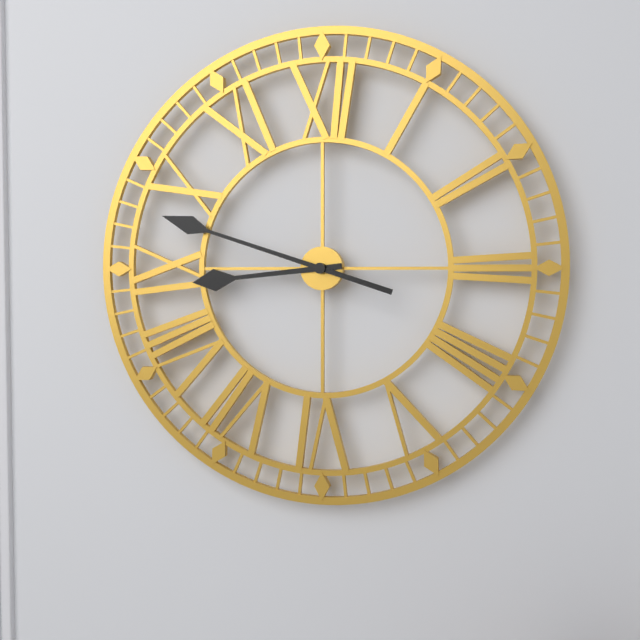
**8:48**
